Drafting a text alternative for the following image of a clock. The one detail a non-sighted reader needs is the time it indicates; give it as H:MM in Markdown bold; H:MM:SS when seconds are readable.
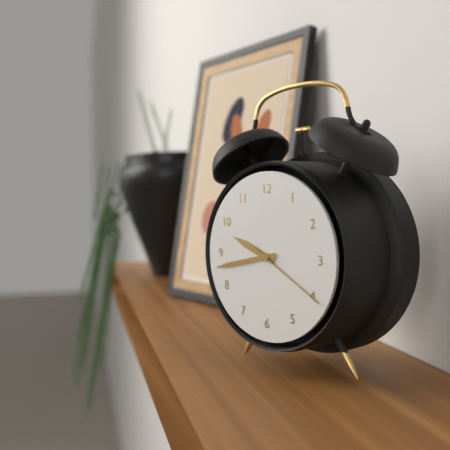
**9:43:20**
